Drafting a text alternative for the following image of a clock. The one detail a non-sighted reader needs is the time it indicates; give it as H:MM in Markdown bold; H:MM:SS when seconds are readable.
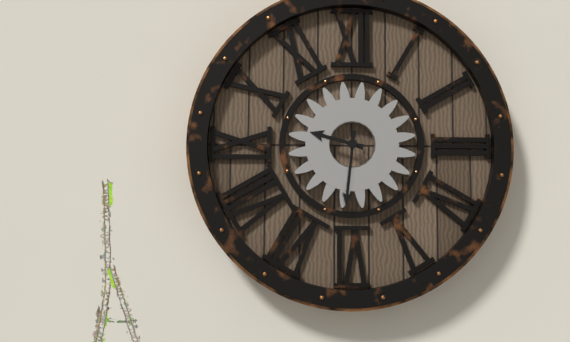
**9:31**
